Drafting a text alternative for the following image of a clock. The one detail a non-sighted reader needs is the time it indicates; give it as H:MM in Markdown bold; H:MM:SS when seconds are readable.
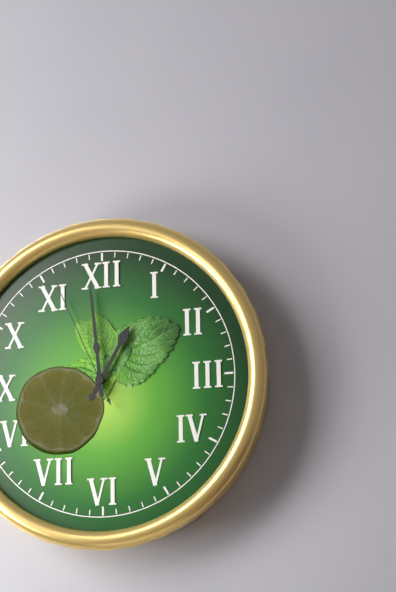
**12:59:56**
